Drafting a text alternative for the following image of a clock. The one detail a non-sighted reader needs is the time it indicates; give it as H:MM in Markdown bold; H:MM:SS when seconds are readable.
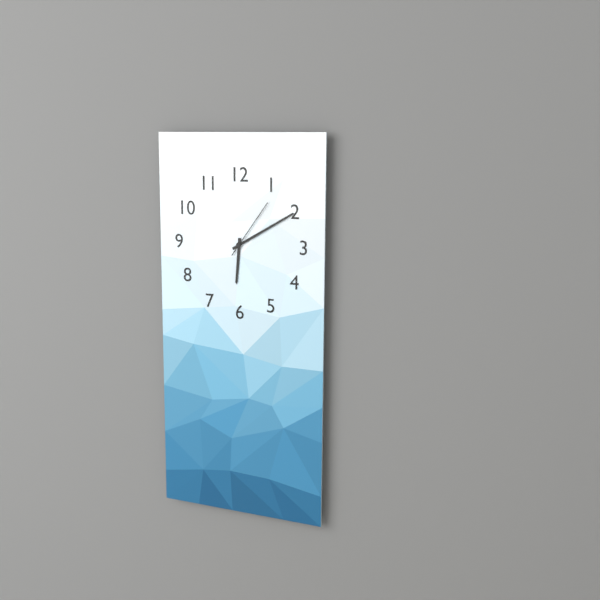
**6:10:06**
